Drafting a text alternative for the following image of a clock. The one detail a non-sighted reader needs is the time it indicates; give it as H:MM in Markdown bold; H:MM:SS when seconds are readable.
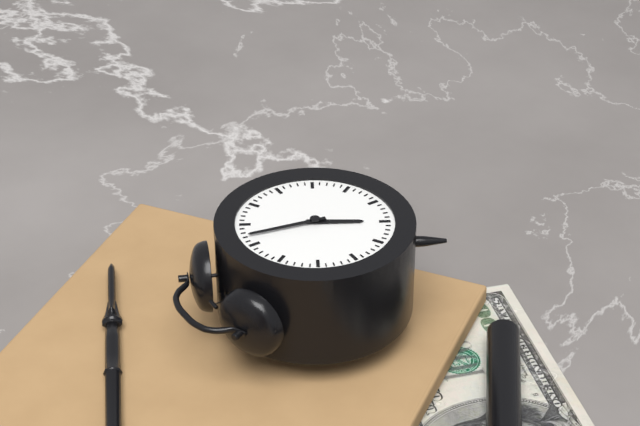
**7:02**
